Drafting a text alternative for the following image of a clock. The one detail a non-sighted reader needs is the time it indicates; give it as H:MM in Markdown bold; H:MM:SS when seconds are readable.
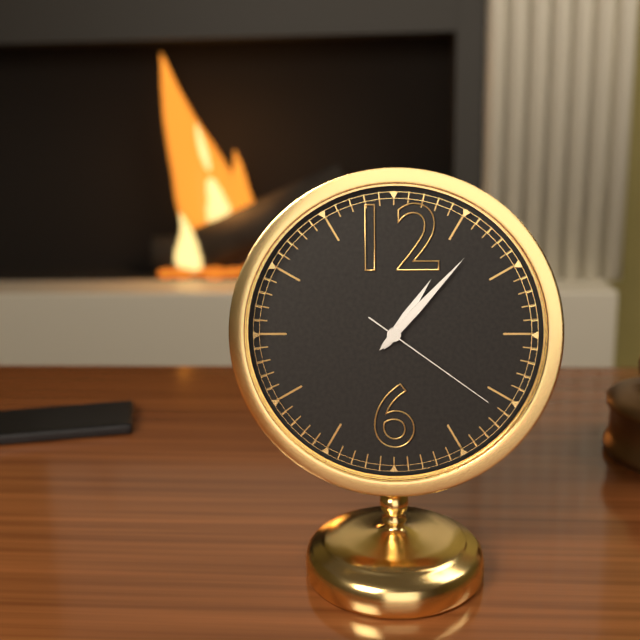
**1:07:21**
